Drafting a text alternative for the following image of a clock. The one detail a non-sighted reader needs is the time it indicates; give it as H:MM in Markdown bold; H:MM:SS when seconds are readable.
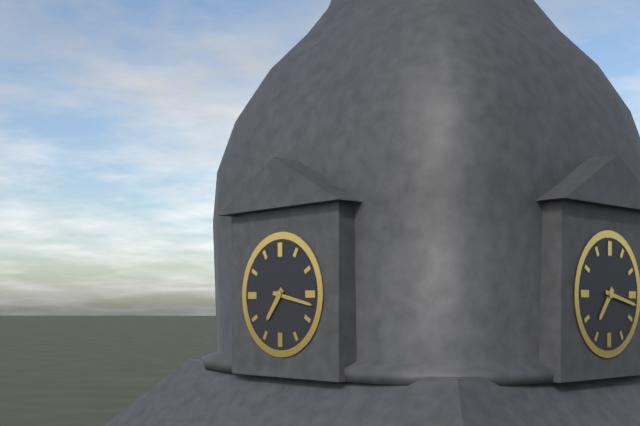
**7:17**
